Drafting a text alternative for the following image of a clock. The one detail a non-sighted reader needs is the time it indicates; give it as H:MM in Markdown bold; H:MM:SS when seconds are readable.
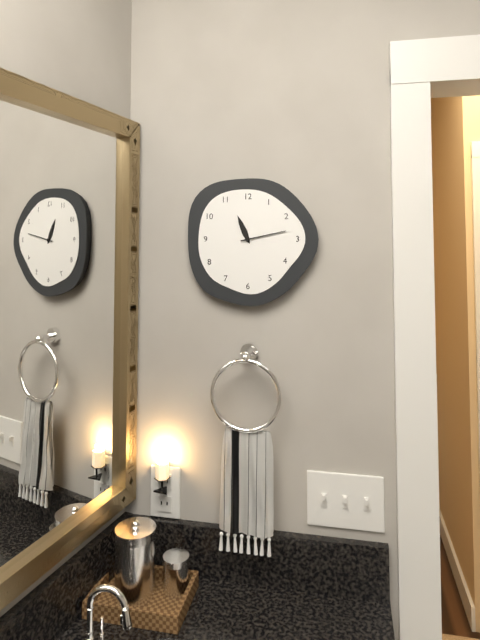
**11:13**
